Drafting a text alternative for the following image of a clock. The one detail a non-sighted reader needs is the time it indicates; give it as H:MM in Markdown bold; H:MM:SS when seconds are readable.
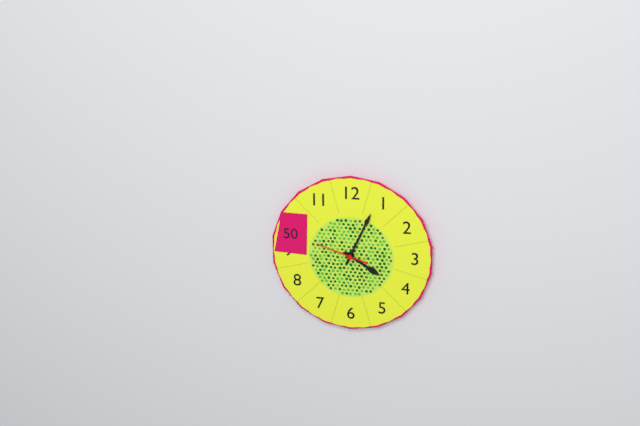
**4:04**
